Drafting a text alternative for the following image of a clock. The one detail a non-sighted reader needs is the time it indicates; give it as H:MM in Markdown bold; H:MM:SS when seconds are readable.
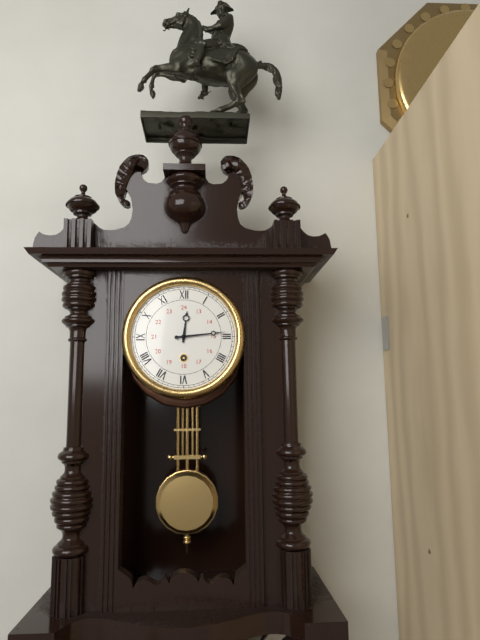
**12:14**
